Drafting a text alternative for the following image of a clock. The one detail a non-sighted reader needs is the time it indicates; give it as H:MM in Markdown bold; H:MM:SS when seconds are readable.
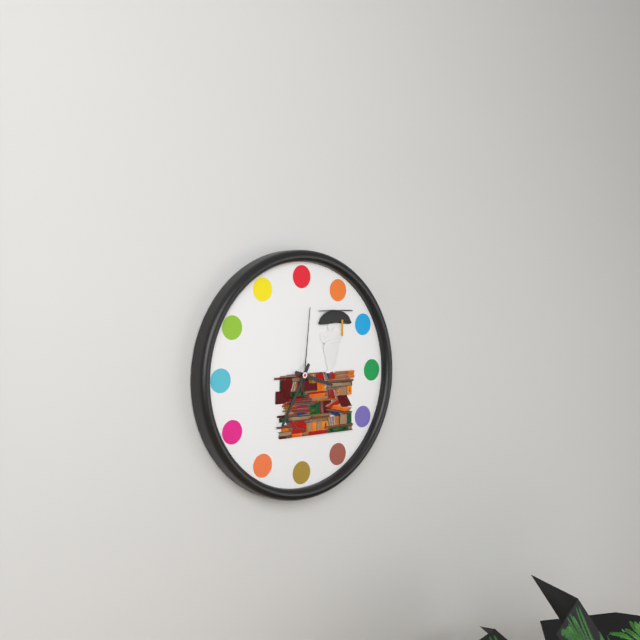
**3:35:01**
